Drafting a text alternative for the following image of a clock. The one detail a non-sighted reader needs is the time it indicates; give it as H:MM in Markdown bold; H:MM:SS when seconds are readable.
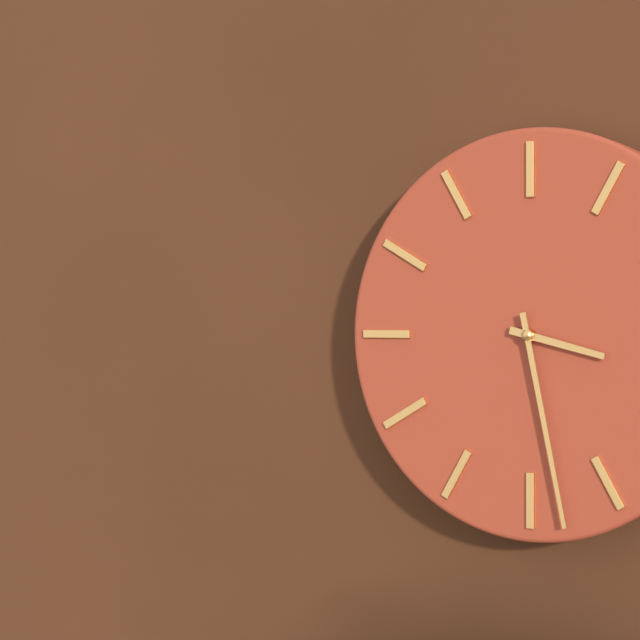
**3:28**
